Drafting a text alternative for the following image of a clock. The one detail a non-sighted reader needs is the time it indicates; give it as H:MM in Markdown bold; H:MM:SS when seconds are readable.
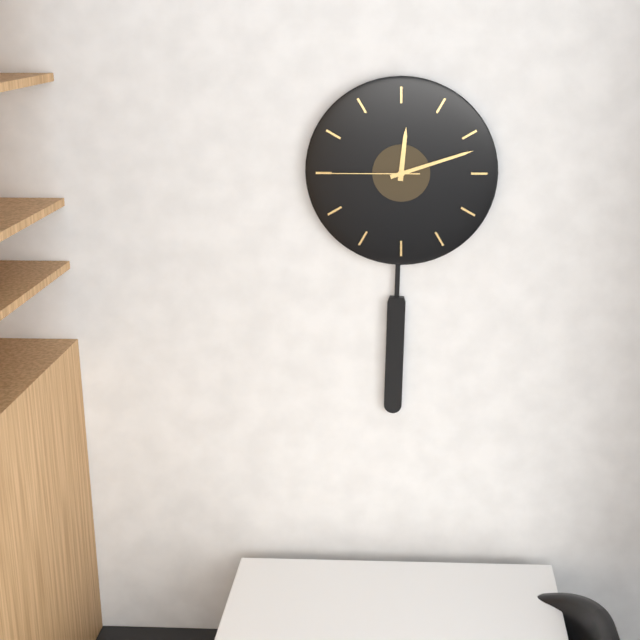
**12:12:45**
